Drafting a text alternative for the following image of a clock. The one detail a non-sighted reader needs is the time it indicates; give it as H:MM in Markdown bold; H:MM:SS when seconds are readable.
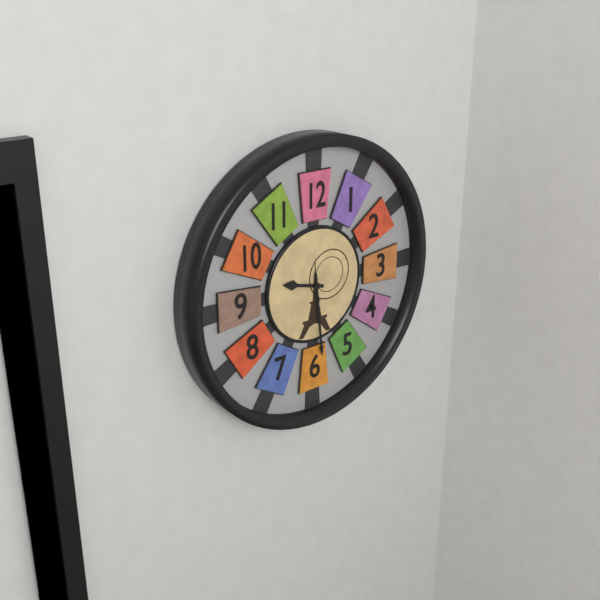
**9:29**
